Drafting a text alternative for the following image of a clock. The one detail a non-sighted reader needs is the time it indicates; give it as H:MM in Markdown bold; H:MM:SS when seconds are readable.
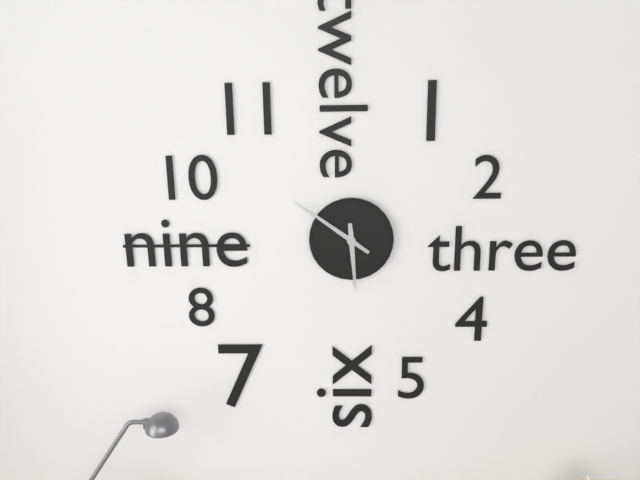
**5:51**
